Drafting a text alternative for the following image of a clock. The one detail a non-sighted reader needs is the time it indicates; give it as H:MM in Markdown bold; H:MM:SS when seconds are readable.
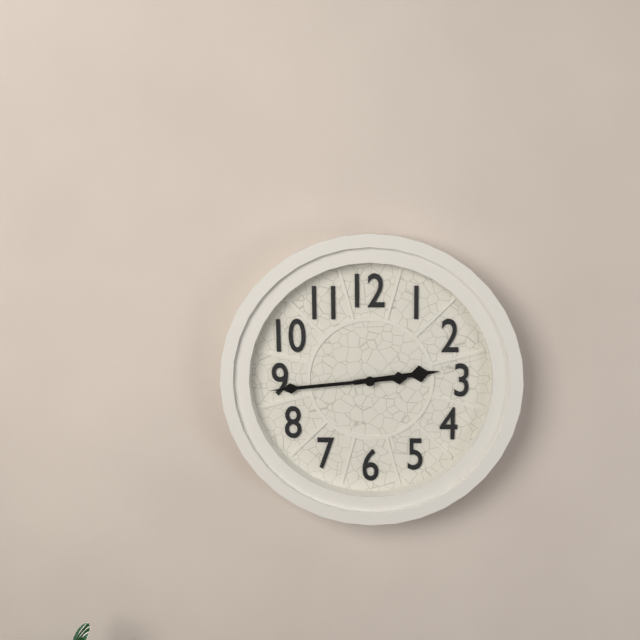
**2:44**
